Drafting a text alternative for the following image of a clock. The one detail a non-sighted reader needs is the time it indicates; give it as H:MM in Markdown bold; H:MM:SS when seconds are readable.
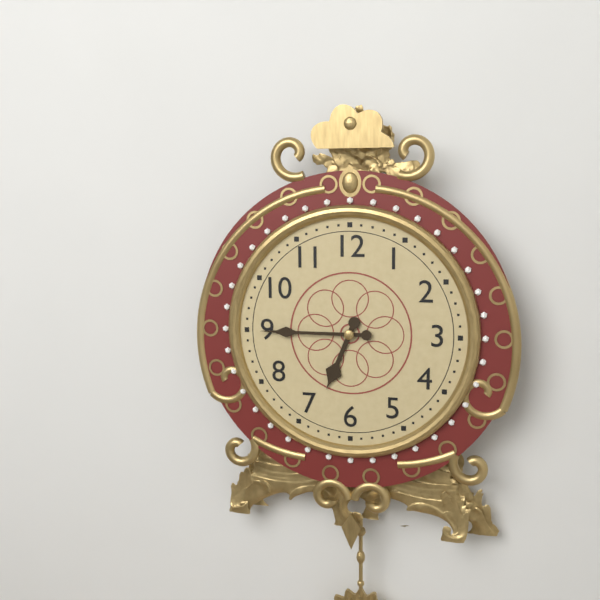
**6:45**
